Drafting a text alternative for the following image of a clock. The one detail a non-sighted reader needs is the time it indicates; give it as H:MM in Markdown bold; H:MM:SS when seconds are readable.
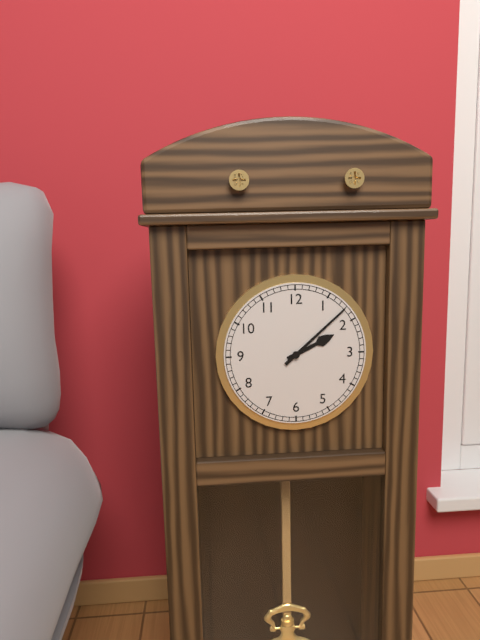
**2:08**
